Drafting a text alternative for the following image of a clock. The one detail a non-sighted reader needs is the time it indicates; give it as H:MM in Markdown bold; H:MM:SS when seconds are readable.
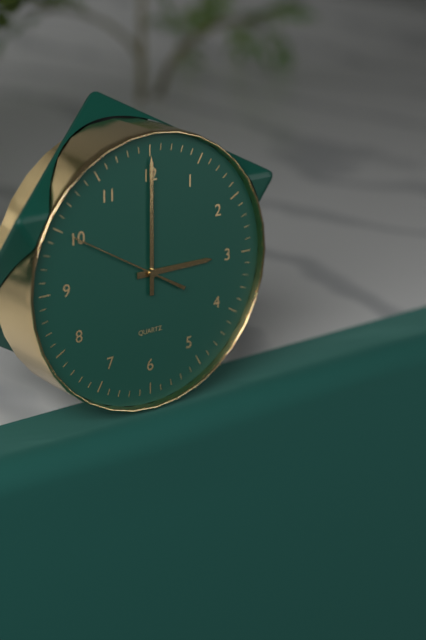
**3:00:50**
